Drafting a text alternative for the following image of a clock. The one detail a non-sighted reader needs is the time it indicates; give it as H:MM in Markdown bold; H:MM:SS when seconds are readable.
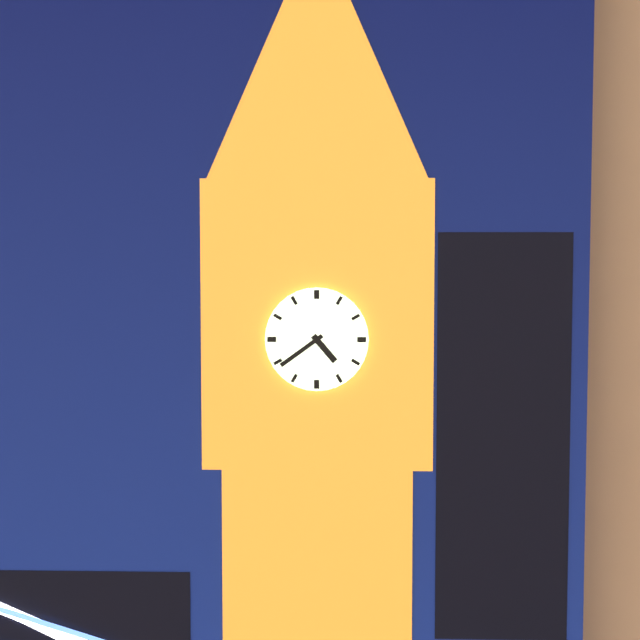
**4:39**
